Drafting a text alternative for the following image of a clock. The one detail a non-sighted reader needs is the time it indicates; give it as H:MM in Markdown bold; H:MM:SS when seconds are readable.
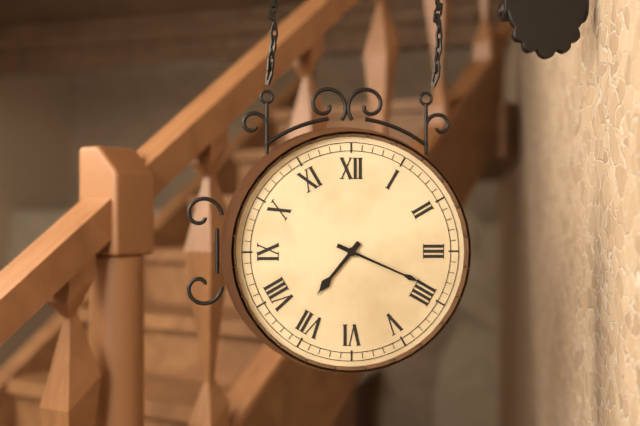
**7:19**
